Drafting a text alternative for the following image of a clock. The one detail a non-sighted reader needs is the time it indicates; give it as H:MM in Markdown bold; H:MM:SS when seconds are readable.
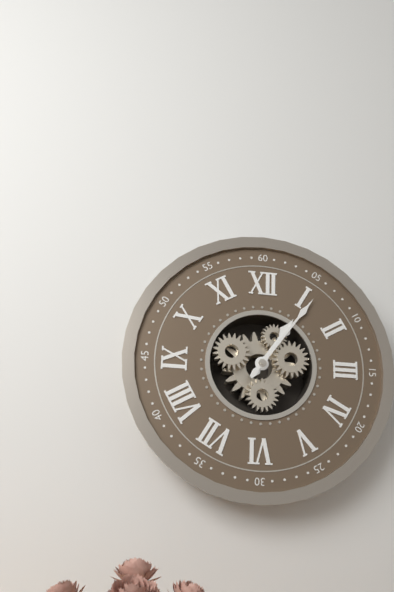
**1:06**
